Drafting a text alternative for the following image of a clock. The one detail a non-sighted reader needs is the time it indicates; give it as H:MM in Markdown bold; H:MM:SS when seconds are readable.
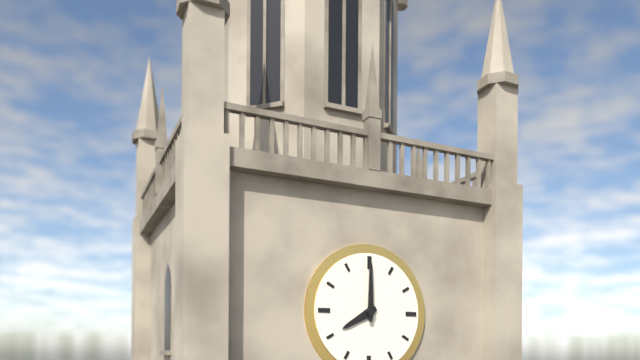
**8:00**
